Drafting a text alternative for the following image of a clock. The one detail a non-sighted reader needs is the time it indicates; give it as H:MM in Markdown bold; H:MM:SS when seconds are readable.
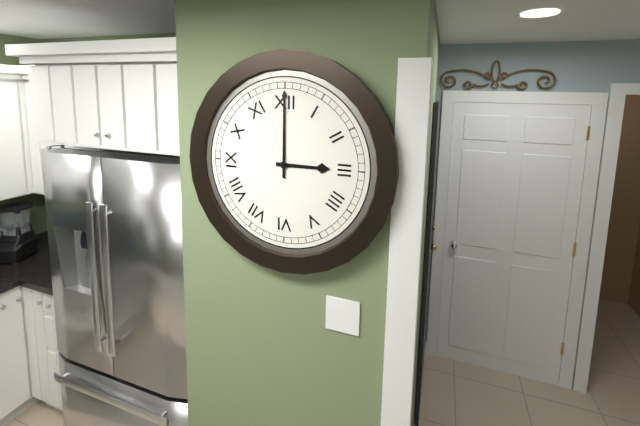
**3:00**
